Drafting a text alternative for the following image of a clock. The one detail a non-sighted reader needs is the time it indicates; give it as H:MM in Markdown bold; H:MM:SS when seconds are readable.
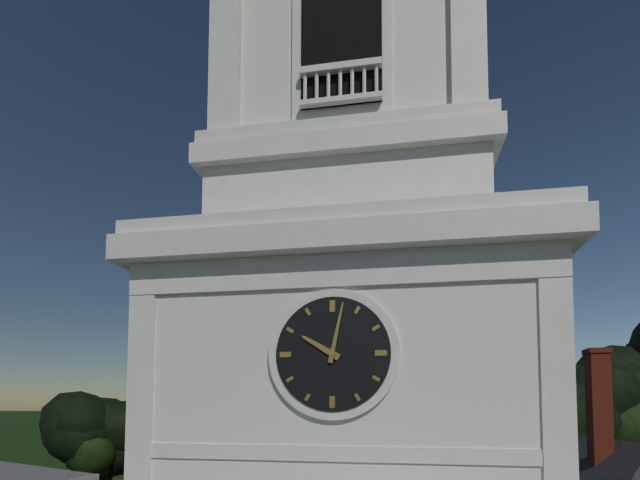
**10:02**
